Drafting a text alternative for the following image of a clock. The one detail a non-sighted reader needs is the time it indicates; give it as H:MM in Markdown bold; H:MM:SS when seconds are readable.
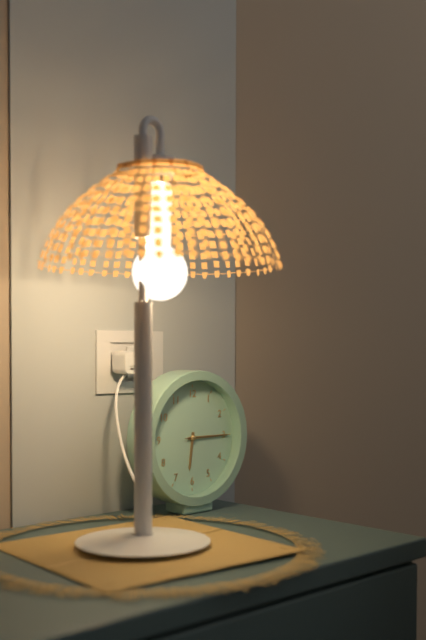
**6:15**
